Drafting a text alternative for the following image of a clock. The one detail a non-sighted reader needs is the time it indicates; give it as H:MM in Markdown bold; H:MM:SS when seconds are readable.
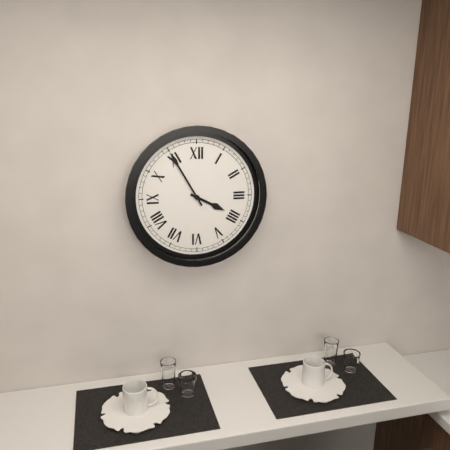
**3:55**
